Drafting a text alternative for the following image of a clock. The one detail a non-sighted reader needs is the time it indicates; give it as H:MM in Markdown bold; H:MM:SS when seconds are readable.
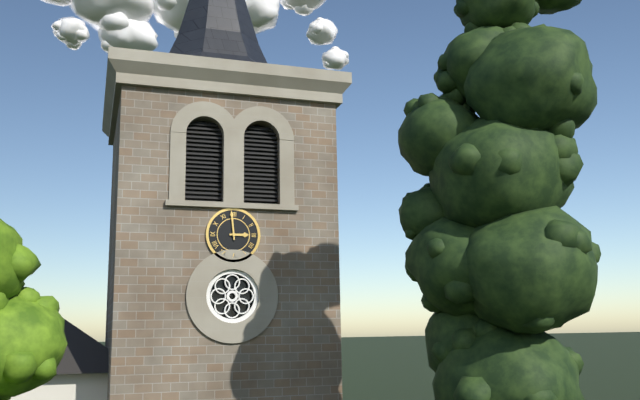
**2:59**
